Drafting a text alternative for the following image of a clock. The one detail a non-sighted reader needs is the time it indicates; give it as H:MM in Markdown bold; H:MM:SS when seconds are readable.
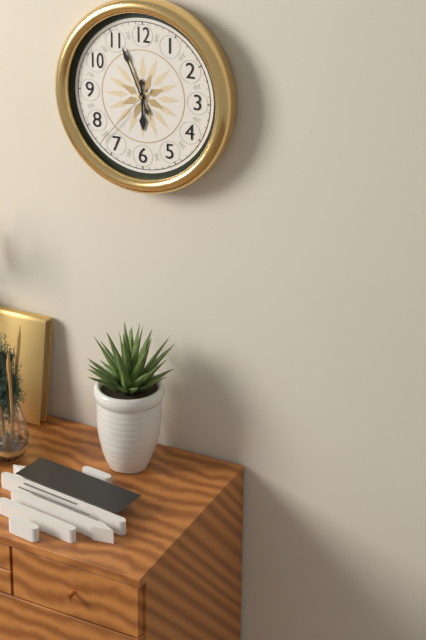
**5:56:37**
